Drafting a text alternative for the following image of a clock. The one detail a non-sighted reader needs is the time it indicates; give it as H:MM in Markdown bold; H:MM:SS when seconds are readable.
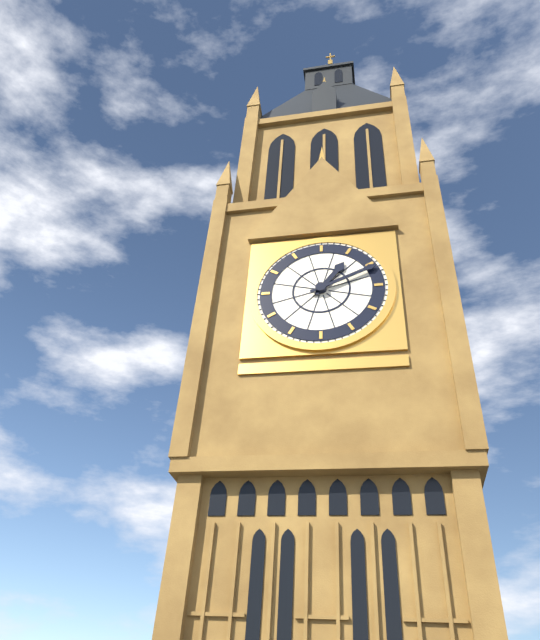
**1:11**
